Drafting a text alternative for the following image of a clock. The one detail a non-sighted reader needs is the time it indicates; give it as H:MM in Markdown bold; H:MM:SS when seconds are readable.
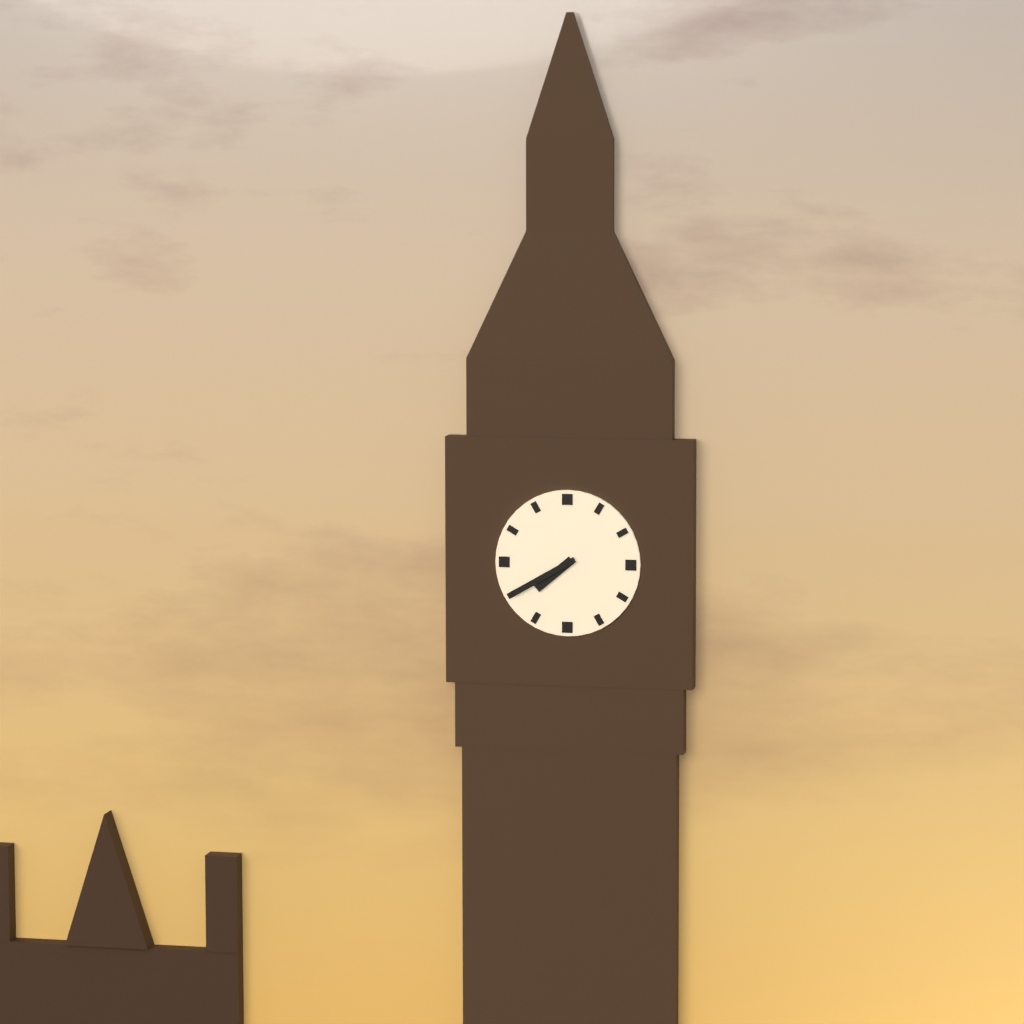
**7:40**
